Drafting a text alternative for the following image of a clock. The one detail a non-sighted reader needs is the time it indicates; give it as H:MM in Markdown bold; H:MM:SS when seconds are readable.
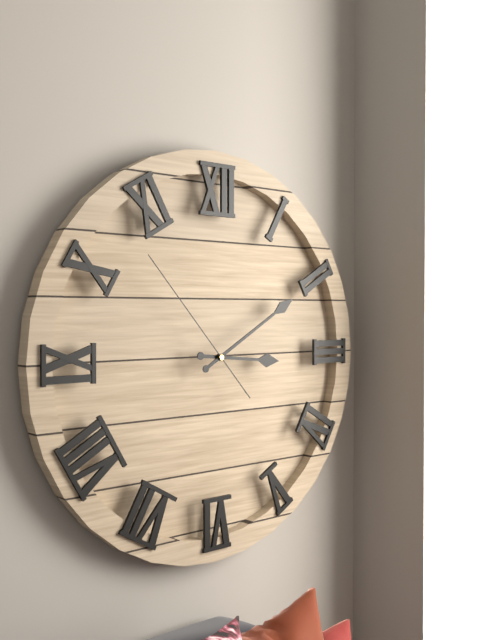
**3:10:53**
